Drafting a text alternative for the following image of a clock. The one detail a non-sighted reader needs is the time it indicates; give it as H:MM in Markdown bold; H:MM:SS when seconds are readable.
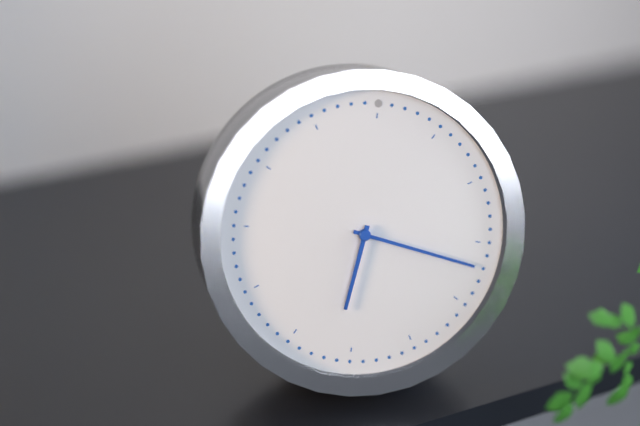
**6:17**
